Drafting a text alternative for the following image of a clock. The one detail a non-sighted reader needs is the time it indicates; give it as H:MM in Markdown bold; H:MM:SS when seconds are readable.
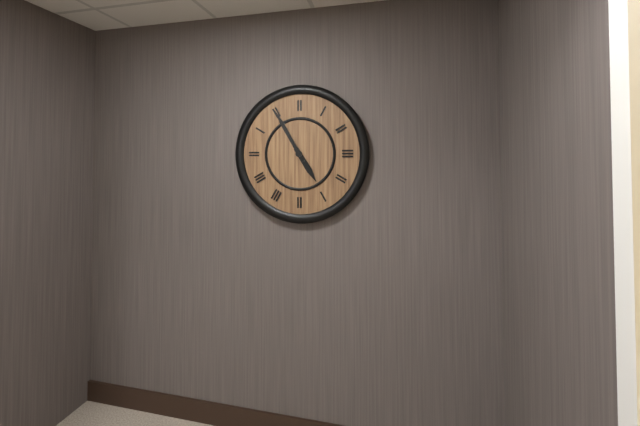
**4:55**
